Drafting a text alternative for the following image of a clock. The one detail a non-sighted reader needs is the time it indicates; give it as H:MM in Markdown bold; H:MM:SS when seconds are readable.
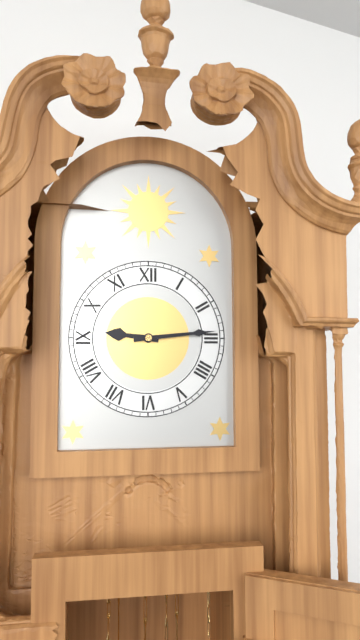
**9:14**
